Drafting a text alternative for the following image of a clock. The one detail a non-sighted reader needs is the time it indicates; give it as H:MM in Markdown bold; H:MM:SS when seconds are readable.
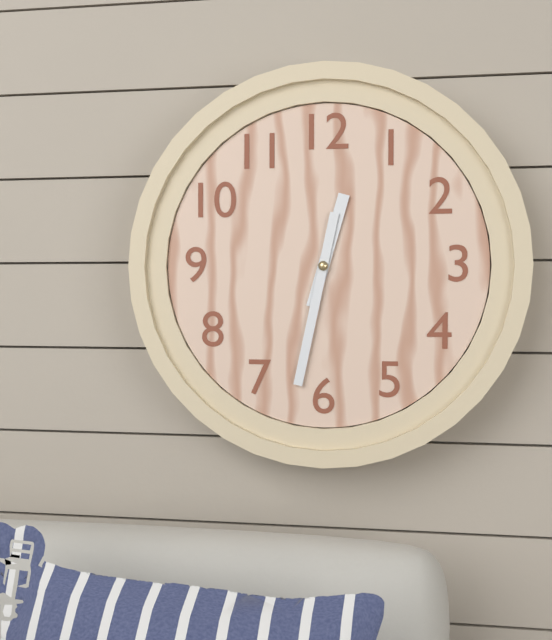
**12:32**
